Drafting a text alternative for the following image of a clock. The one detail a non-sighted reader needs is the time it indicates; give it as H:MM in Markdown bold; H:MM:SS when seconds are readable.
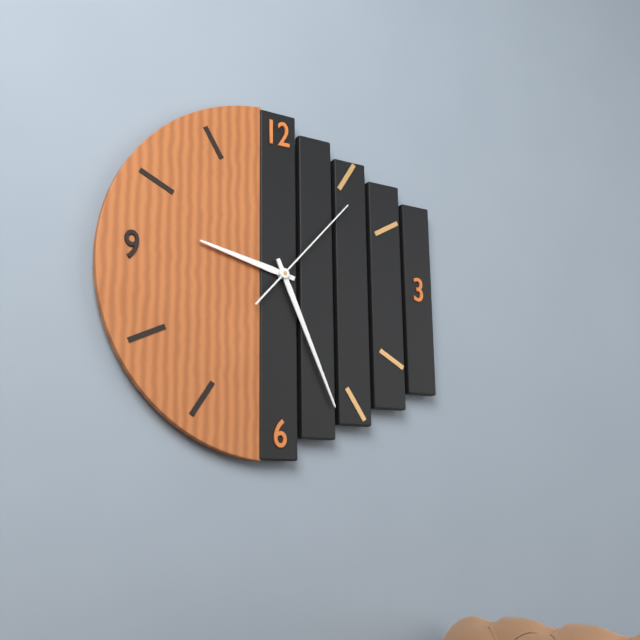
**9:26:07**
